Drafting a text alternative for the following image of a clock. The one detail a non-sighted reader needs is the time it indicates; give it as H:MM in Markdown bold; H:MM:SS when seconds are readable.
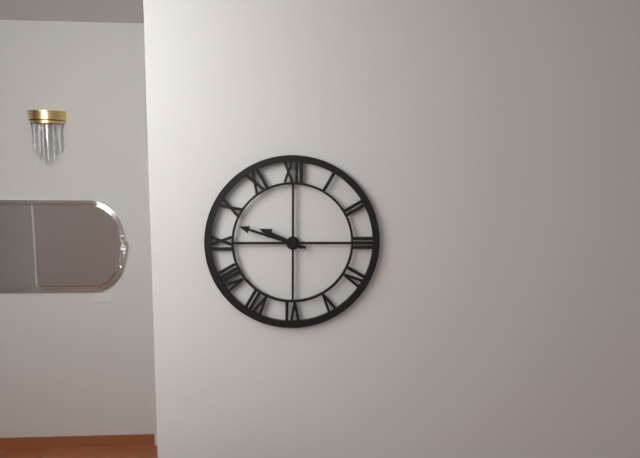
**9:48**
